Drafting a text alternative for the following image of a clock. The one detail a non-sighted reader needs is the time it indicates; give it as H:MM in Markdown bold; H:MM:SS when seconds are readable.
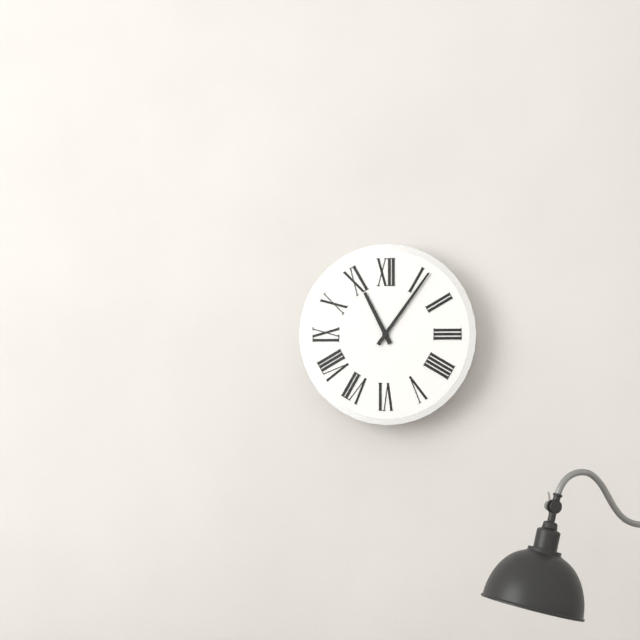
**11:06**
